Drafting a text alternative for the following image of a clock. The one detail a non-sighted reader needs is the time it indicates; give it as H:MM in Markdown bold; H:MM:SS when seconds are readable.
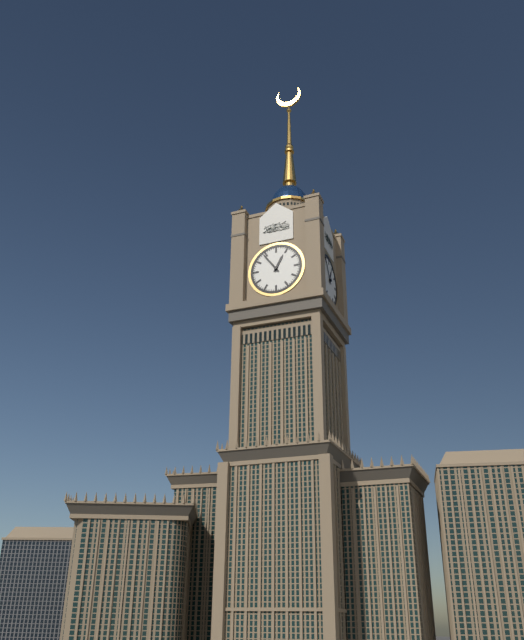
**12:54**
